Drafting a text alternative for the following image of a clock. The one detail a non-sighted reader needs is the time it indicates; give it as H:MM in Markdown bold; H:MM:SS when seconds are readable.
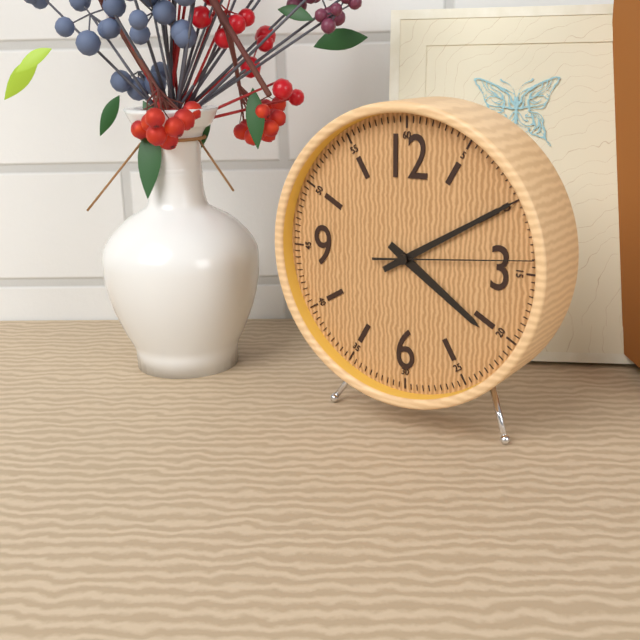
**4:10:14**
